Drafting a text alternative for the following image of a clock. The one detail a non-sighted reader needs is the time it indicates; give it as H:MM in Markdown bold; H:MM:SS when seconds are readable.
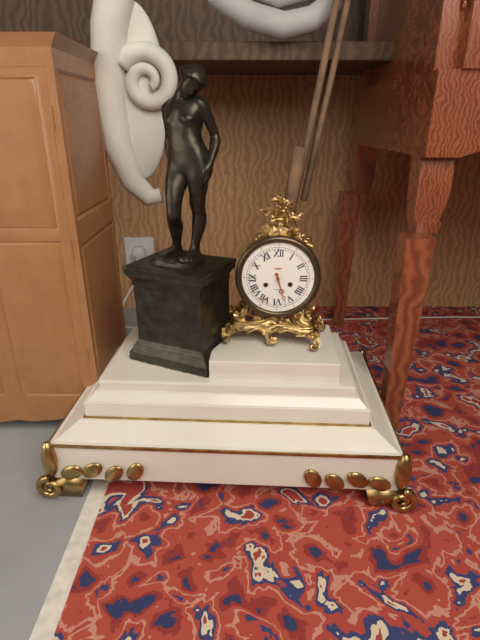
**5:27**
